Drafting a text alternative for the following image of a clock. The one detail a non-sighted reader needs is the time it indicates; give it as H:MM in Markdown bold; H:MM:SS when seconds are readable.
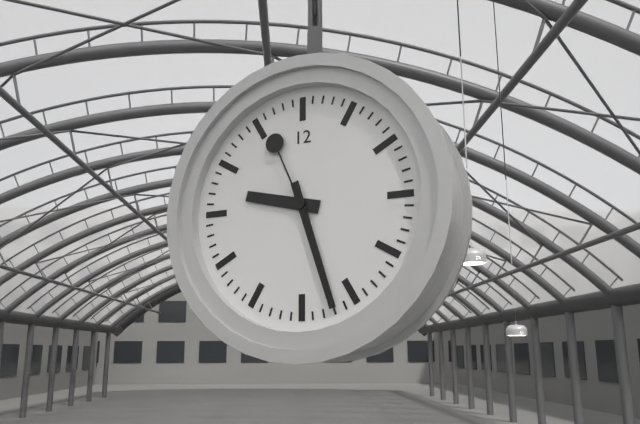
**9:27:56**
